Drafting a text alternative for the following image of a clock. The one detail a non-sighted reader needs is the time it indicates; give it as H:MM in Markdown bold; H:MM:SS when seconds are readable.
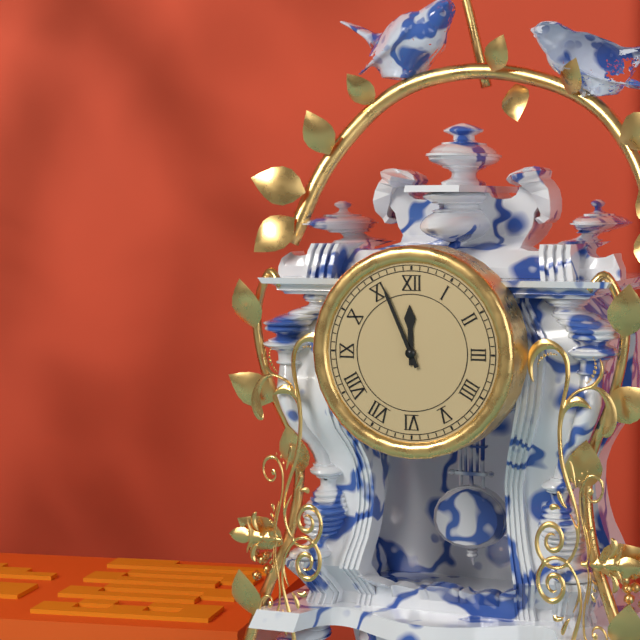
**11:56**
